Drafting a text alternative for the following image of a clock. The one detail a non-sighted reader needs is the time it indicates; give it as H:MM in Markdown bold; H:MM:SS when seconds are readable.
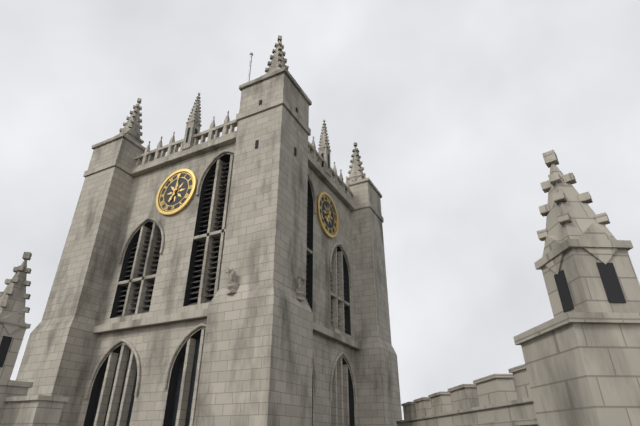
**7:01**
